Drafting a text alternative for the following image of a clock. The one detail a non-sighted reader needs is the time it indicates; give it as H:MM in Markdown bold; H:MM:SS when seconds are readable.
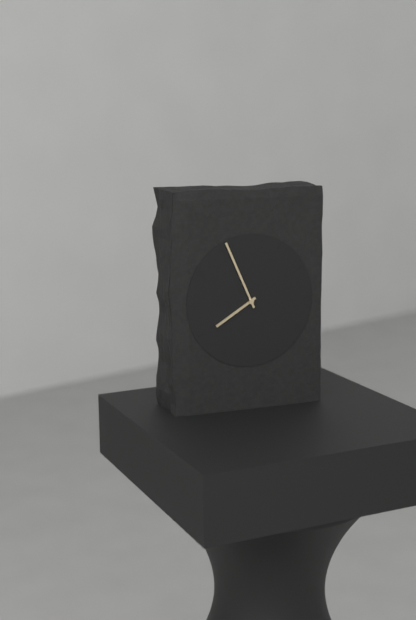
**7:56**
